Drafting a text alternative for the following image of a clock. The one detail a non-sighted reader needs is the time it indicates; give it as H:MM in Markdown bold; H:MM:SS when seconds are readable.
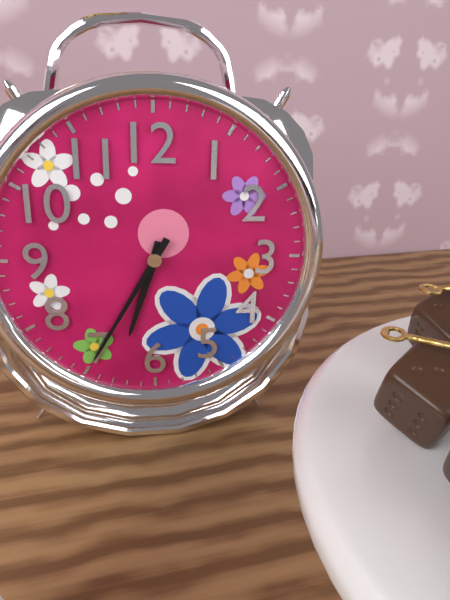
**6:35**
